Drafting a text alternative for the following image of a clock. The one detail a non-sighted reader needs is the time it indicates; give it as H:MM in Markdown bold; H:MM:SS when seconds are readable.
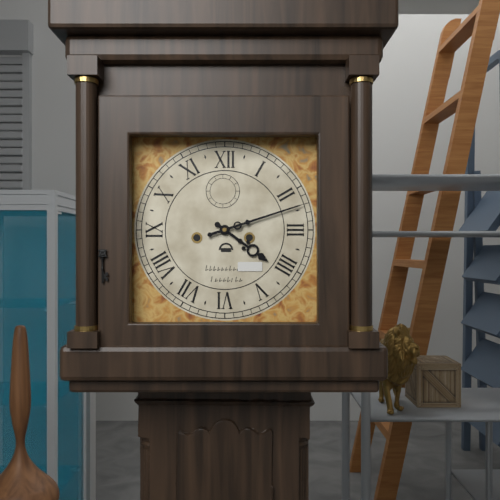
**4:12**
